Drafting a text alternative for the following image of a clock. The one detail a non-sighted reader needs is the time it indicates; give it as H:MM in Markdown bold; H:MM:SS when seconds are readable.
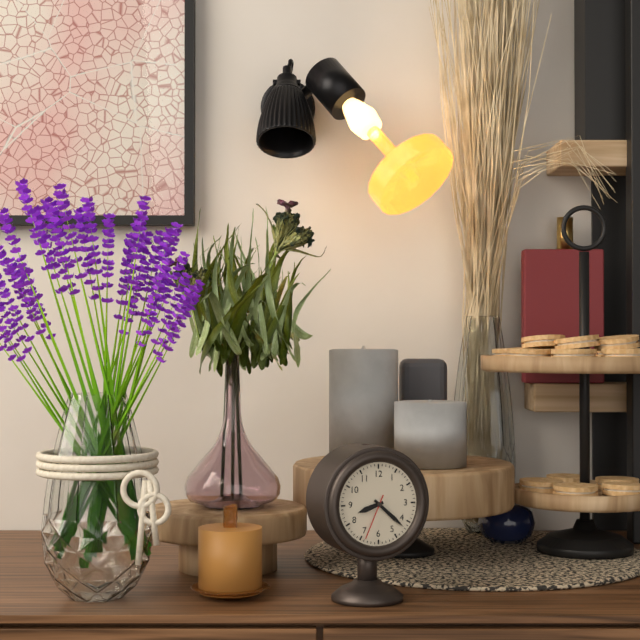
**8:22**
